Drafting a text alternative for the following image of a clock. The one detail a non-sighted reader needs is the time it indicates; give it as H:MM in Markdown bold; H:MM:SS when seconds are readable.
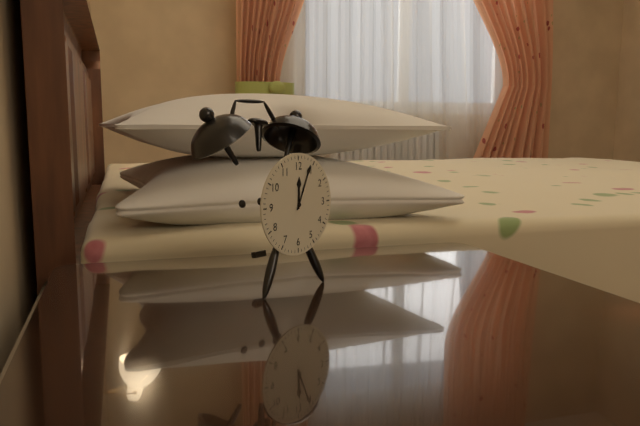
**12:04**
